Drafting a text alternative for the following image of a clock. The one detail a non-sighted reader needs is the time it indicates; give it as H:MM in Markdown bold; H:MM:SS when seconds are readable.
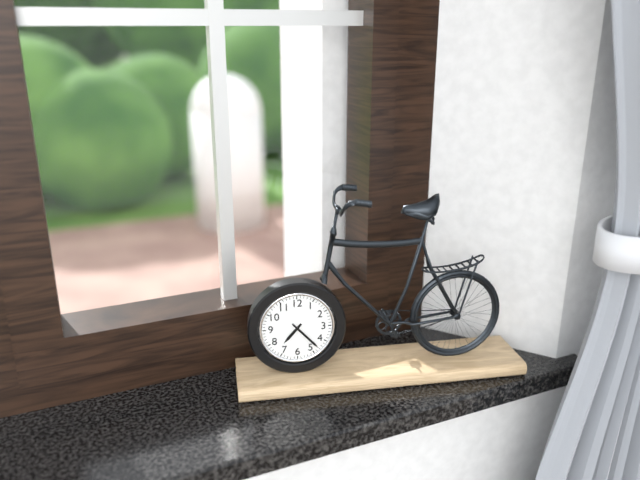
**7:23**
